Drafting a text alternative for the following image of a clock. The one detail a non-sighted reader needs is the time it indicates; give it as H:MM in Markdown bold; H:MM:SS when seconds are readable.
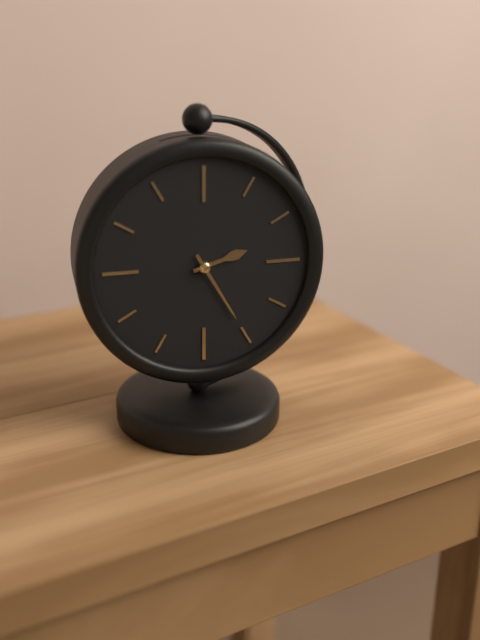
**2:25**
